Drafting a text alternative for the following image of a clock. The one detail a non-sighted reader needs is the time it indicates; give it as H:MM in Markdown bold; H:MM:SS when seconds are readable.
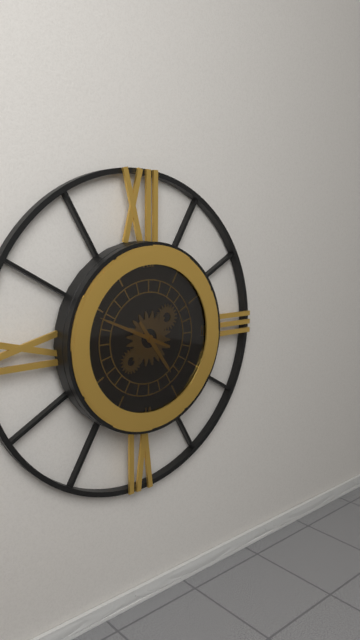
**4:49**
